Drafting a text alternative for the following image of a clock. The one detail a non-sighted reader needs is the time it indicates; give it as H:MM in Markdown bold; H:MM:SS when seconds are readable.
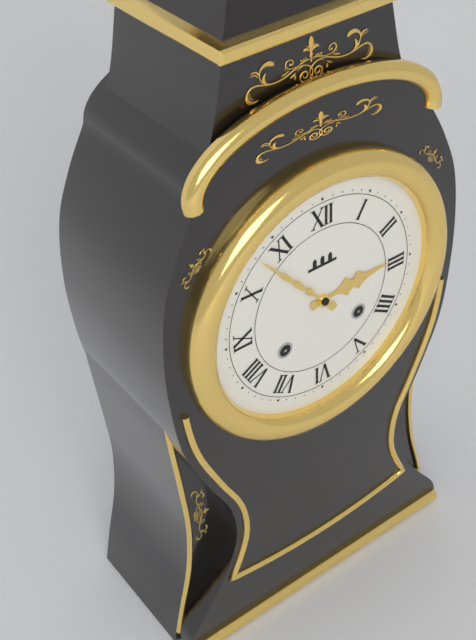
**2:53**
